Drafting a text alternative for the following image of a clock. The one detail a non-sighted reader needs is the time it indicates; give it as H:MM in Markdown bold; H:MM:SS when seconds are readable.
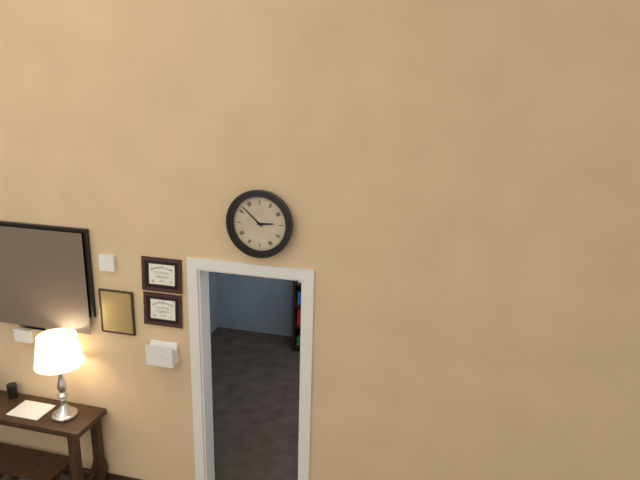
**2:52**
